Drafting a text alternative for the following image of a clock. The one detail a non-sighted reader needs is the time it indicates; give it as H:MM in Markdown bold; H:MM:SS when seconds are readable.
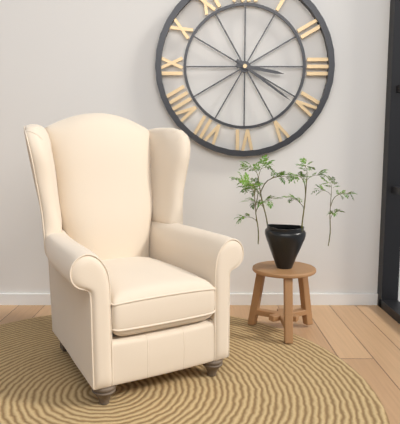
**3:21**
